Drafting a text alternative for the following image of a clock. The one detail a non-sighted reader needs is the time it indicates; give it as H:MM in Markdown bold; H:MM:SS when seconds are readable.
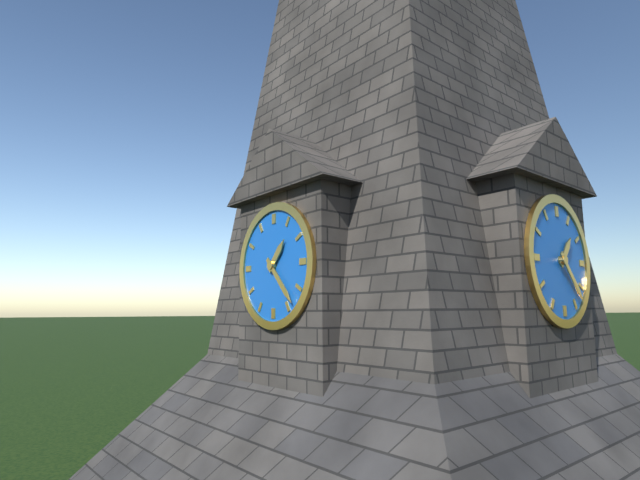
**1:23**
